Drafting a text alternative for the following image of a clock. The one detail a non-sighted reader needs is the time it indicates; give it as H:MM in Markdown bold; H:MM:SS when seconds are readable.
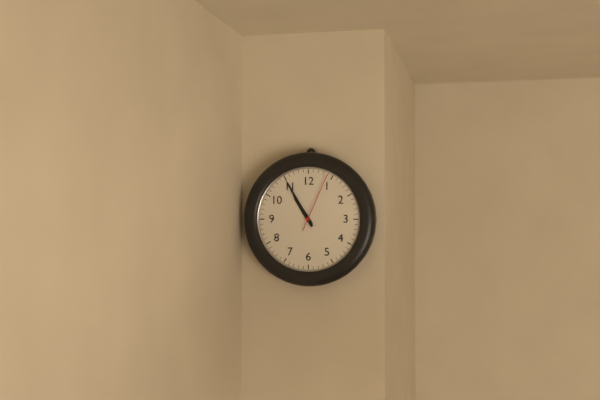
**10:55:04**
